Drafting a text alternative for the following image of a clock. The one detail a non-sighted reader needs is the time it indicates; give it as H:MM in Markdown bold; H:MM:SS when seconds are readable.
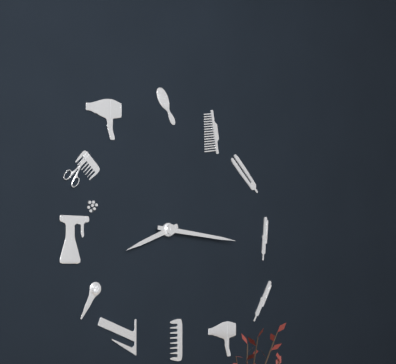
**8:16**
